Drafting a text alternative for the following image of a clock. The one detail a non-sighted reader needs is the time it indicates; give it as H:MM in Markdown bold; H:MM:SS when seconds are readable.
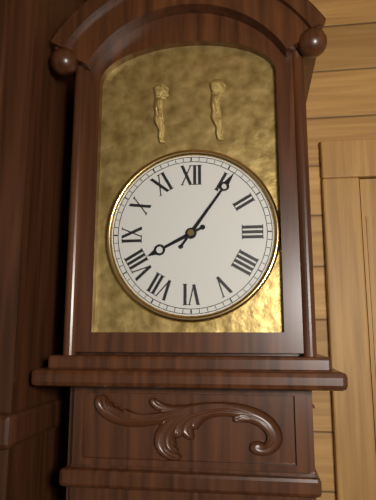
**8:06**
